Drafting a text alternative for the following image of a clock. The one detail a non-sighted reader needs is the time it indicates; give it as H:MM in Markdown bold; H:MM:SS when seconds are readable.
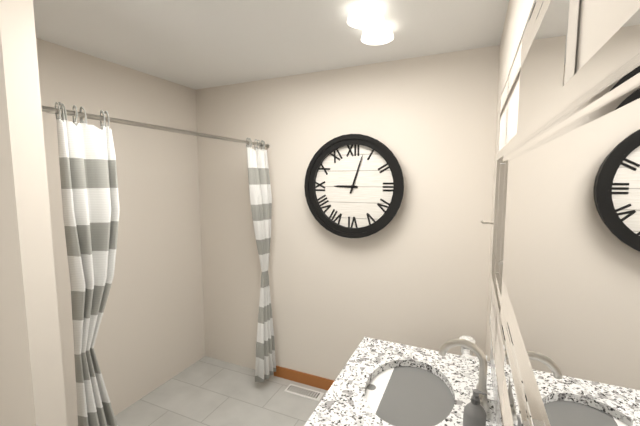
**9:03**
